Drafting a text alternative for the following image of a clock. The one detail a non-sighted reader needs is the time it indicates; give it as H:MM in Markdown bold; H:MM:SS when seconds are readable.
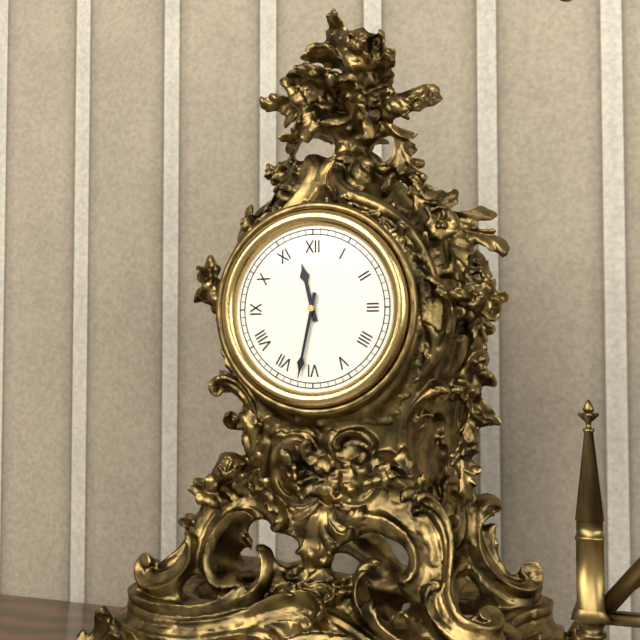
**11:32**
